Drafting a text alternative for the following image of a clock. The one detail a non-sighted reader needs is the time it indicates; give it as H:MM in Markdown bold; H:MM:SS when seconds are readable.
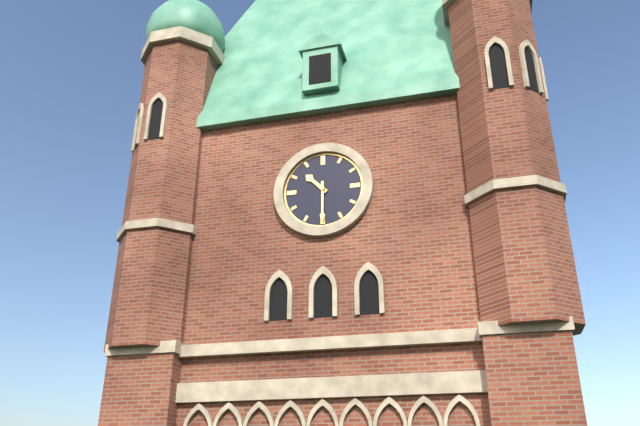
**10:30**
